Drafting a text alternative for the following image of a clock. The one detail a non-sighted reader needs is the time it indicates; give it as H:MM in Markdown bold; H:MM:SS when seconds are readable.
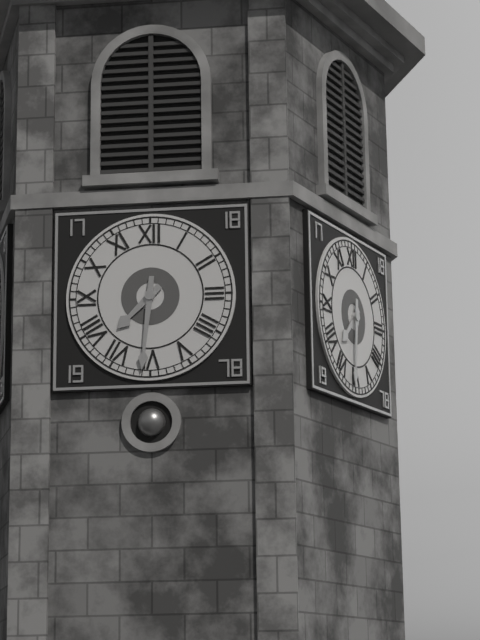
**7:31**
